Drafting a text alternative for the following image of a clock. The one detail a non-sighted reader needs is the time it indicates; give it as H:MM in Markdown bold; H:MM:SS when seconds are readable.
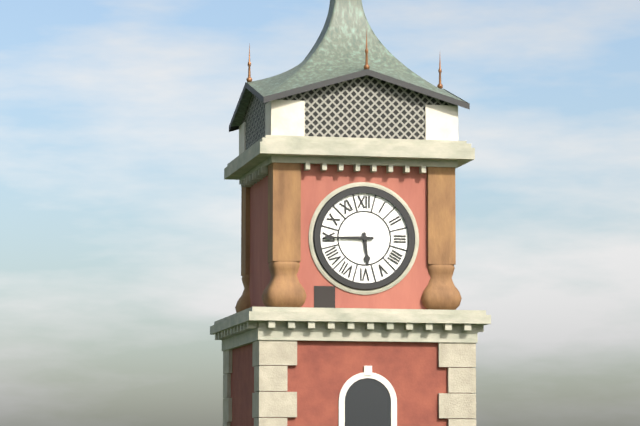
**5:45**
